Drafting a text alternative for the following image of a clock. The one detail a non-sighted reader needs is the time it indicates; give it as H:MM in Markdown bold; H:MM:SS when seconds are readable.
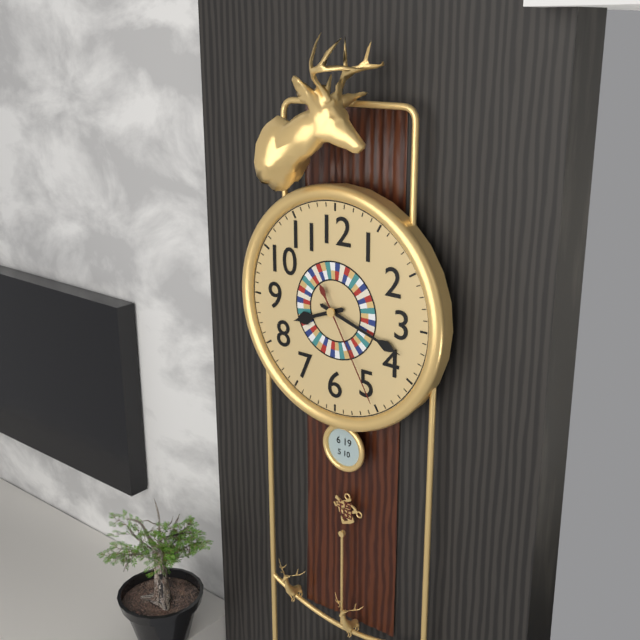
**8:18:25**
